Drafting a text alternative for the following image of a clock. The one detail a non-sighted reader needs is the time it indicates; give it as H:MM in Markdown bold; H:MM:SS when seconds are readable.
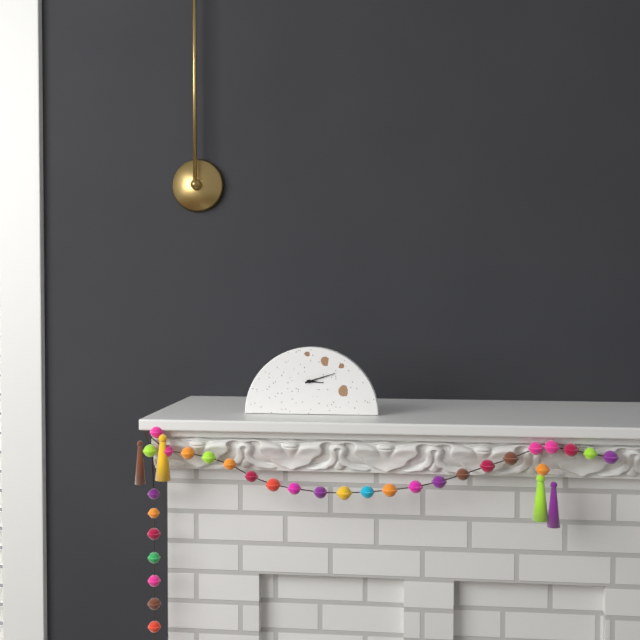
**3:12**
